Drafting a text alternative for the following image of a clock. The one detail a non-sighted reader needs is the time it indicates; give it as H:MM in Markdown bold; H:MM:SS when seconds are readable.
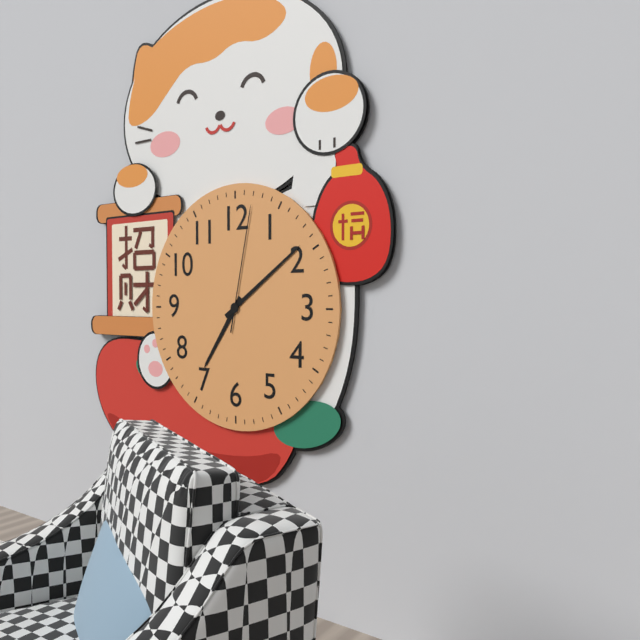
**7:09:02**
